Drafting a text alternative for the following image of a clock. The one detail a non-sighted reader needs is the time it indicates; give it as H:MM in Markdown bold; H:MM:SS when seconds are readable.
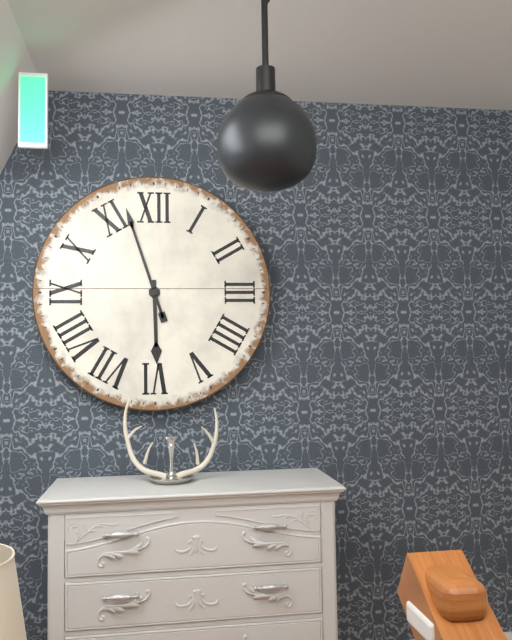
**5:57**
